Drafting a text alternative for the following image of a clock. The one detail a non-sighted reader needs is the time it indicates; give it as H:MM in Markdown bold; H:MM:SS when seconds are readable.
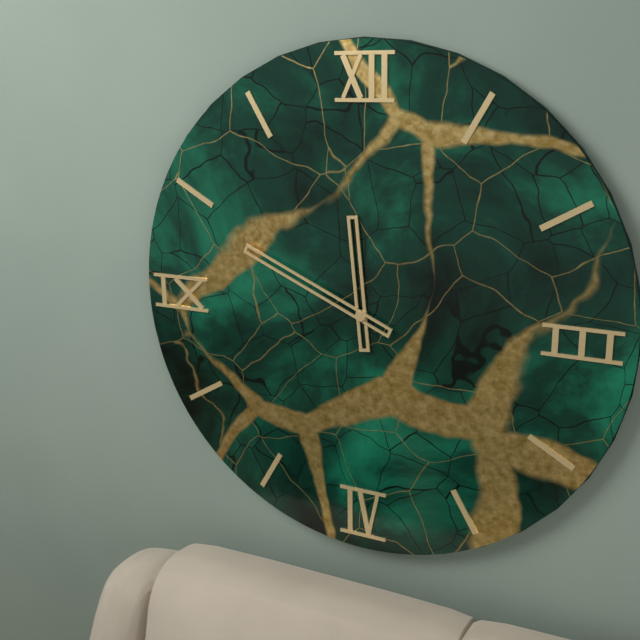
**11:49**
